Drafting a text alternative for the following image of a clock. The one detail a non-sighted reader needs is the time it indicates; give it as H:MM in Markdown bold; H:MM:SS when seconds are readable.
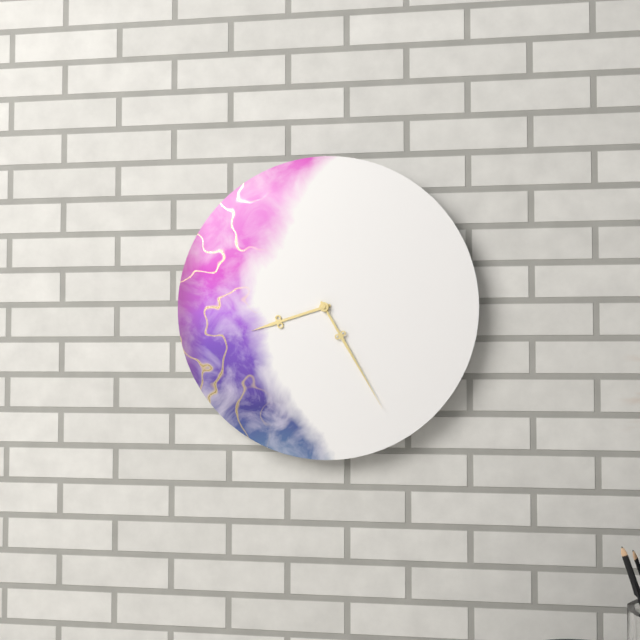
**8:25**
